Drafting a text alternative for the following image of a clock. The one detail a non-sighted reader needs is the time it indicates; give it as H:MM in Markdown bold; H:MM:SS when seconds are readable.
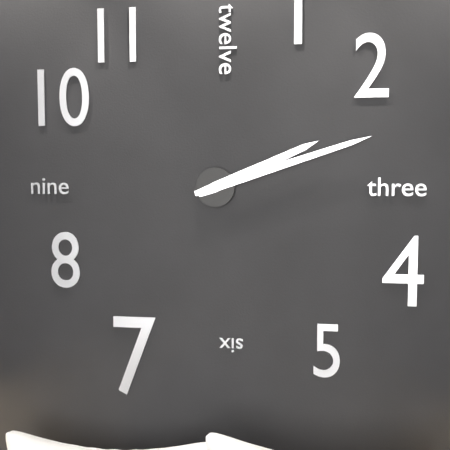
**2:12**
